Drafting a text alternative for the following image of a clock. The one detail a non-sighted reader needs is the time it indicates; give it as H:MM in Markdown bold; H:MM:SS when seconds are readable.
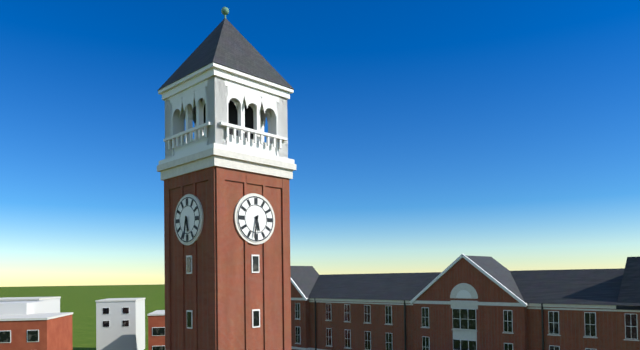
**5:32**
